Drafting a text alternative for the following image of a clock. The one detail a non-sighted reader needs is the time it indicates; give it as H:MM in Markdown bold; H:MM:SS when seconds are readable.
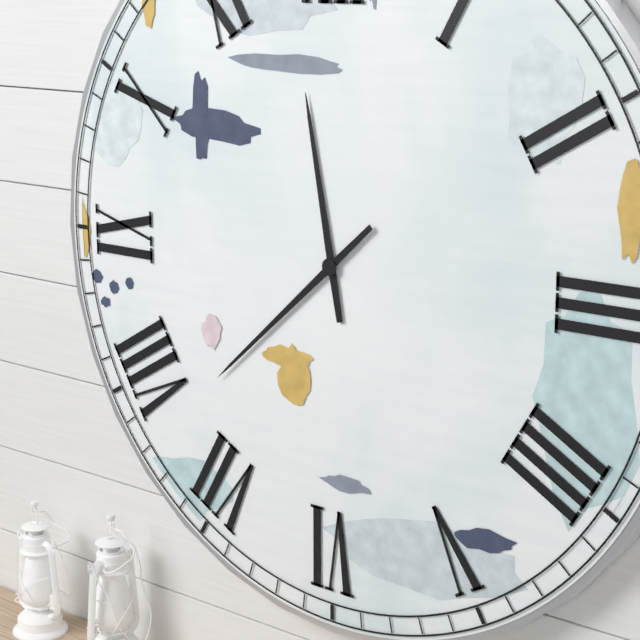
**11:38**
